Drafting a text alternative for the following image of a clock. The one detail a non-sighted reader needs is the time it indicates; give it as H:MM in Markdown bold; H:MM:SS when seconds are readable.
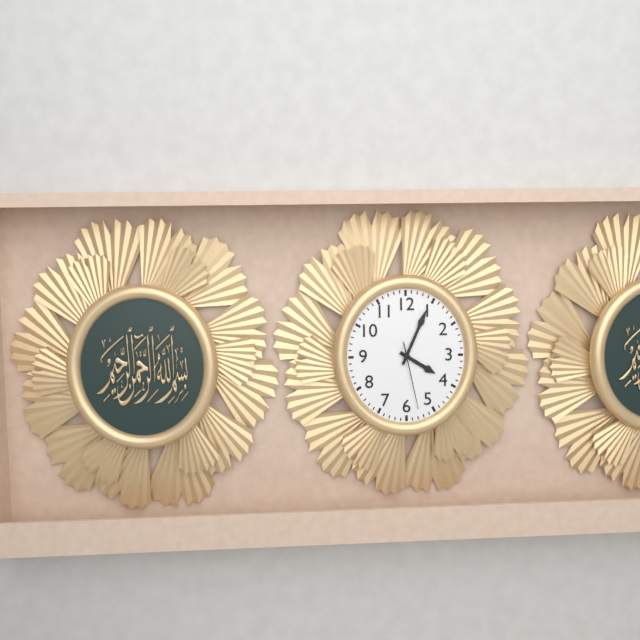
**4:04:28**
